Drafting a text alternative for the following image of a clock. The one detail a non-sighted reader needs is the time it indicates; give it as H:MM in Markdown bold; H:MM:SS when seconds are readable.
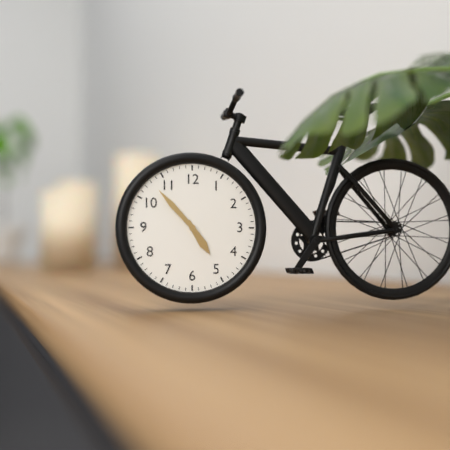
**4:53**
